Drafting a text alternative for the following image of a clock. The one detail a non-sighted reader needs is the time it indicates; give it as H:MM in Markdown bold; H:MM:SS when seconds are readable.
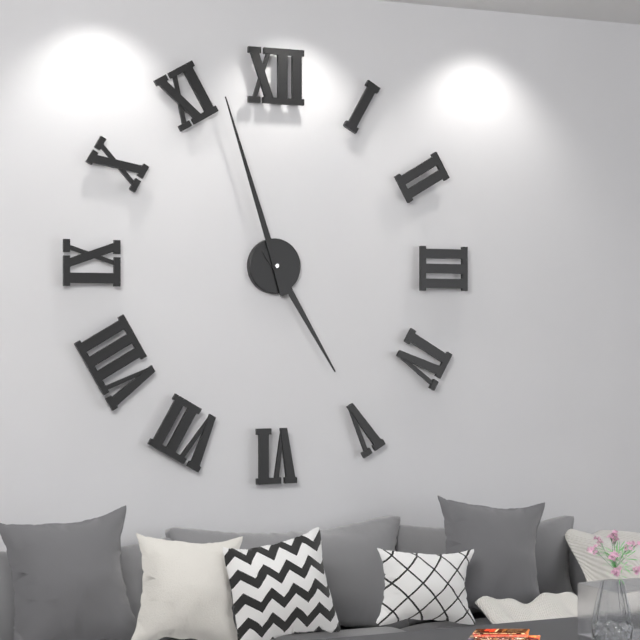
**4:57**
